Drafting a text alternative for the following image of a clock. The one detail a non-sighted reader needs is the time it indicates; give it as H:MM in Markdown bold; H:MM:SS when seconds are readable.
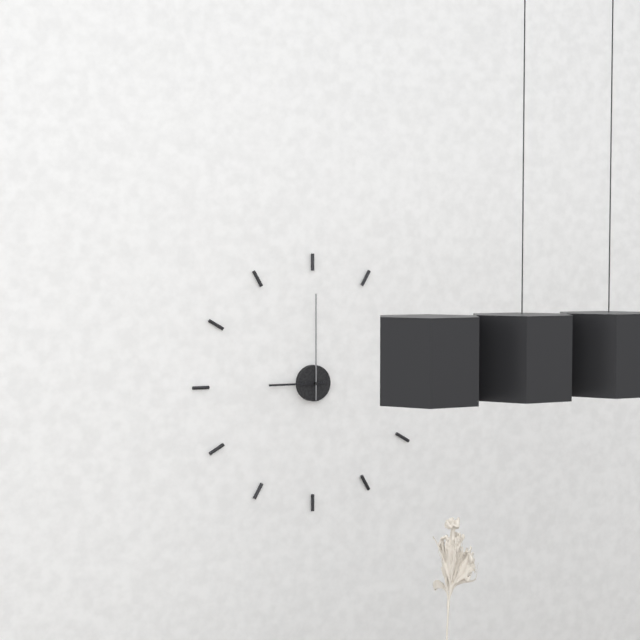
**9:00**
